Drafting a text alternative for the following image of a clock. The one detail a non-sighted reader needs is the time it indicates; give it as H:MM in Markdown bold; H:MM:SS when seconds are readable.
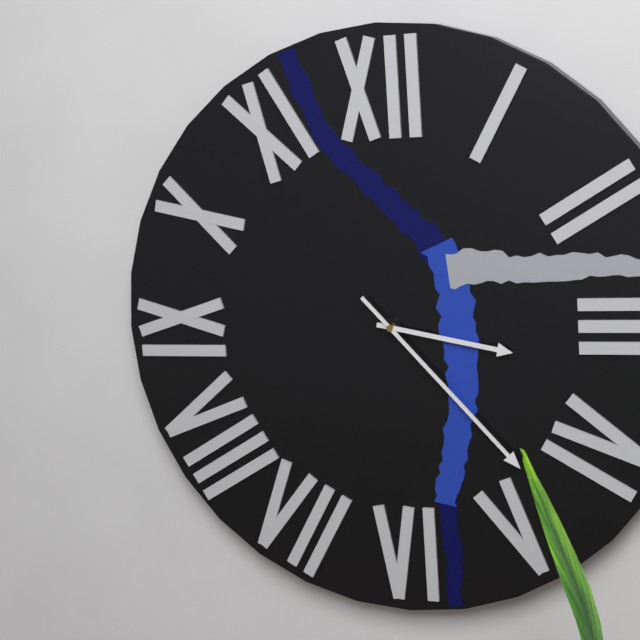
**3:23**
